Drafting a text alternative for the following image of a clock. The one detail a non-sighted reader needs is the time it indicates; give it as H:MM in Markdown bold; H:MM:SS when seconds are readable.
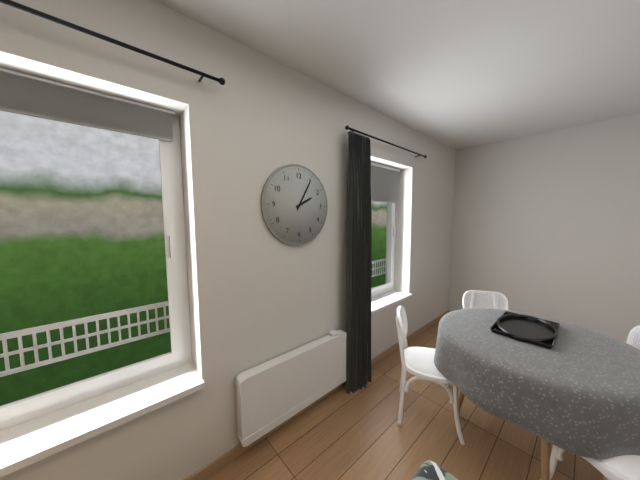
**2:05**
